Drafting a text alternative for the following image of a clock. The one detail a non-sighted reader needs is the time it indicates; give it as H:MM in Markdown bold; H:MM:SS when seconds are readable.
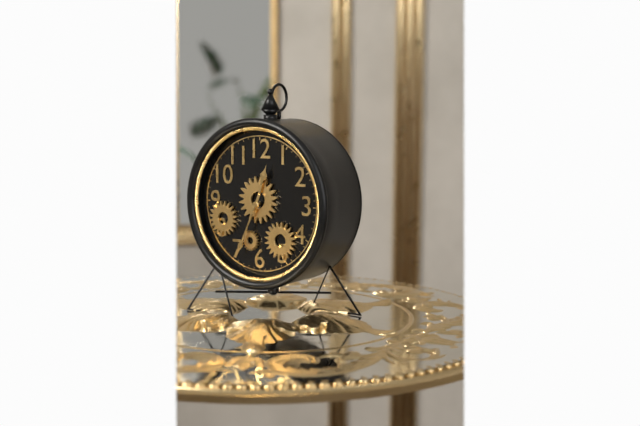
**12:34**
